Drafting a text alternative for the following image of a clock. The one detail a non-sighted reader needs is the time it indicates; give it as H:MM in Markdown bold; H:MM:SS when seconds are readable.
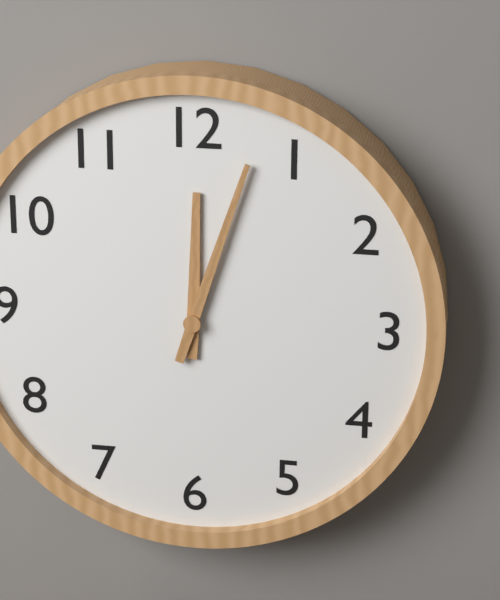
**12:03**
